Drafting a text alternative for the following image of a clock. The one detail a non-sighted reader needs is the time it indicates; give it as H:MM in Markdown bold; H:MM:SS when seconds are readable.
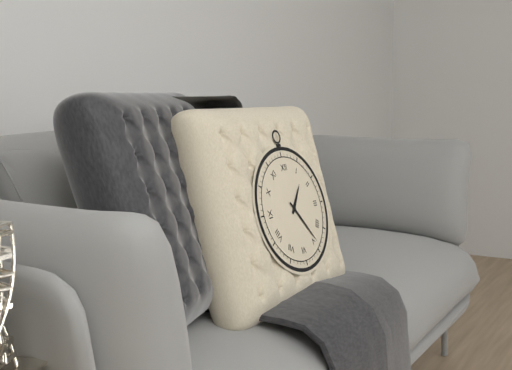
**1:24**
